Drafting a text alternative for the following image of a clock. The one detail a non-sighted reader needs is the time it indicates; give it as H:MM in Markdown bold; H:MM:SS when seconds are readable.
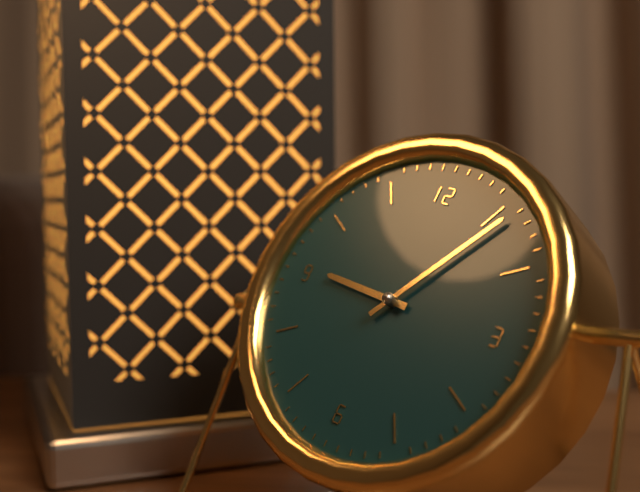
**9:06**
